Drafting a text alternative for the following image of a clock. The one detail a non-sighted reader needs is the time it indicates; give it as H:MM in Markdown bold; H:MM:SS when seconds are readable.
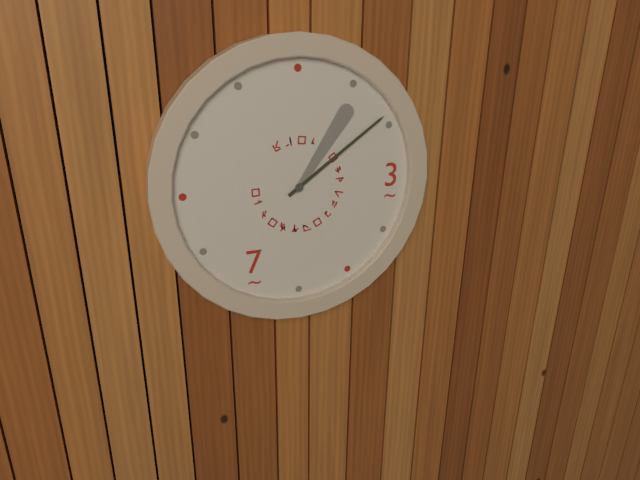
**1:09**
